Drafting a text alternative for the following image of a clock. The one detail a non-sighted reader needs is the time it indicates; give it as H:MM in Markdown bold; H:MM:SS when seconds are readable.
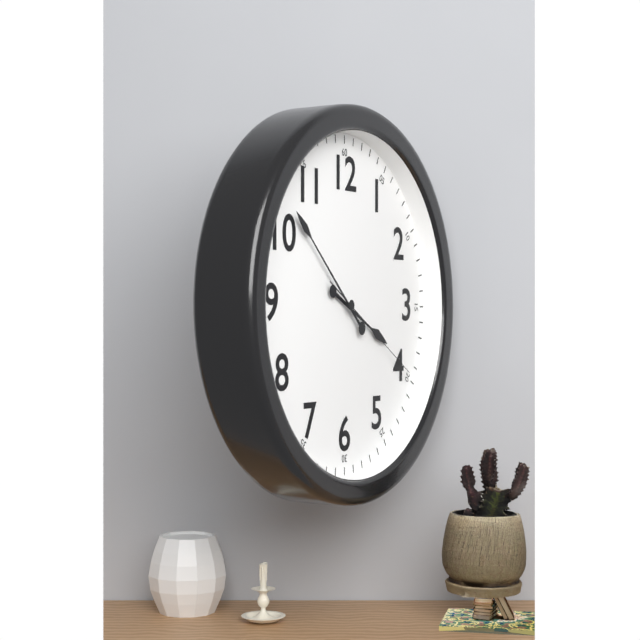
**3:52:20**
